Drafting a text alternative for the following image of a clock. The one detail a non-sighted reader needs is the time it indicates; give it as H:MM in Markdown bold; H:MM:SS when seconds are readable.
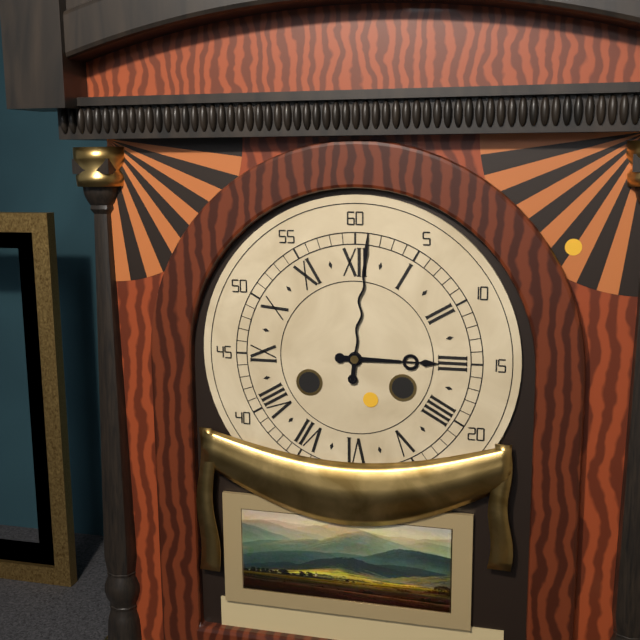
**3:01**
